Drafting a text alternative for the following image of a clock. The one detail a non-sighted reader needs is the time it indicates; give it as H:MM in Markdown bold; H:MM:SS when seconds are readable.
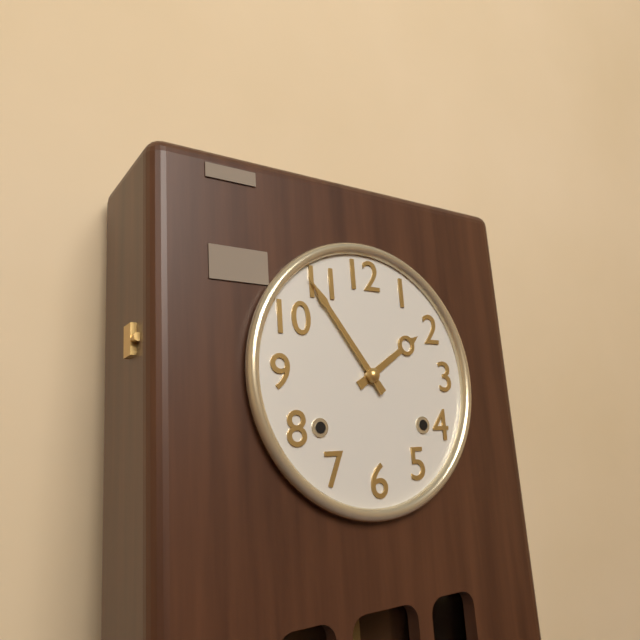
**1:54**
